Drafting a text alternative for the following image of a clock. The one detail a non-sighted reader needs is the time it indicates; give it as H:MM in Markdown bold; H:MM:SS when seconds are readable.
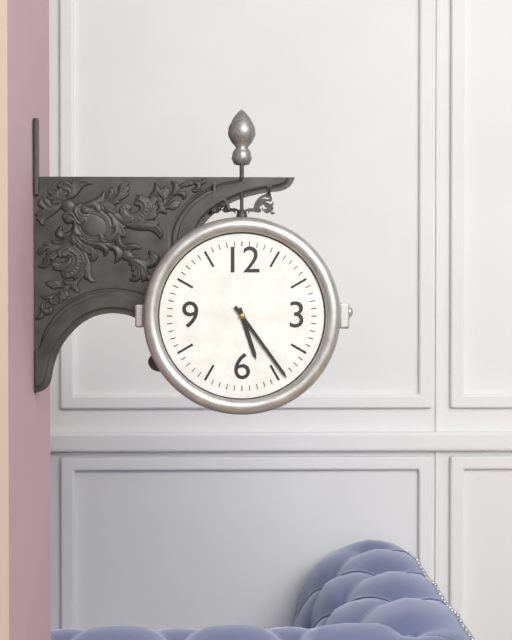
**5:24**
